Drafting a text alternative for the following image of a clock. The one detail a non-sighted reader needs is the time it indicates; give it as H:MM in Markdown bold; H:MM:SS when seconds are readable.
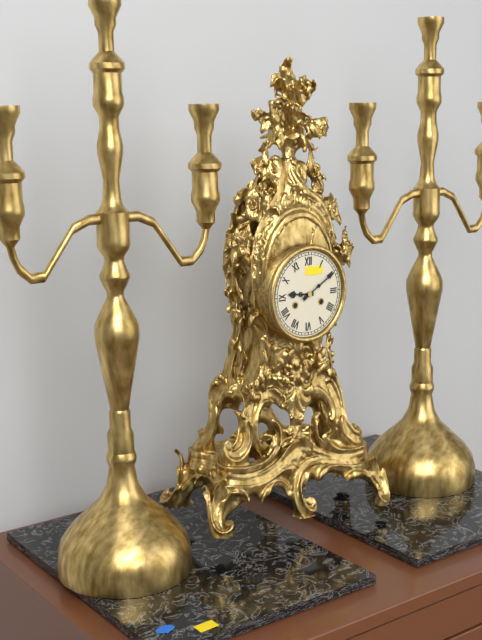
**9:10**
